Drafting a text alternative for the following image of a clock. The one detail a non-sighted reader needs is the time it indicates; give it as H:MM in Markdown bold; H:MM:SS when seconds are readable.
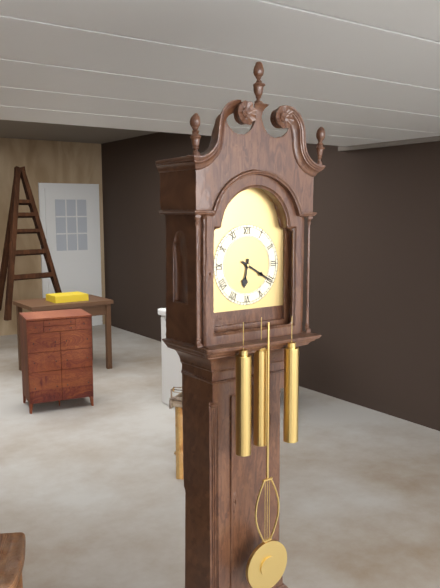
**6:20**
